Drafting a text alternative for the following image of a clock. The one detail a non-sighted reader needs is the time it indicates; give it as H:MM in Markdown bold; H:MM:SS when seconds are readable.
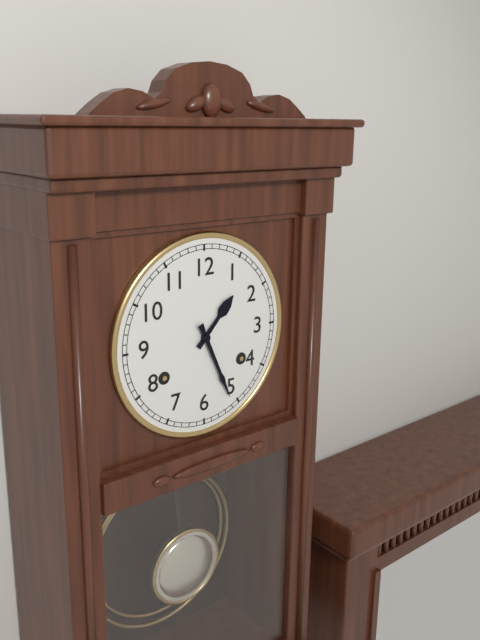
**1:26**
